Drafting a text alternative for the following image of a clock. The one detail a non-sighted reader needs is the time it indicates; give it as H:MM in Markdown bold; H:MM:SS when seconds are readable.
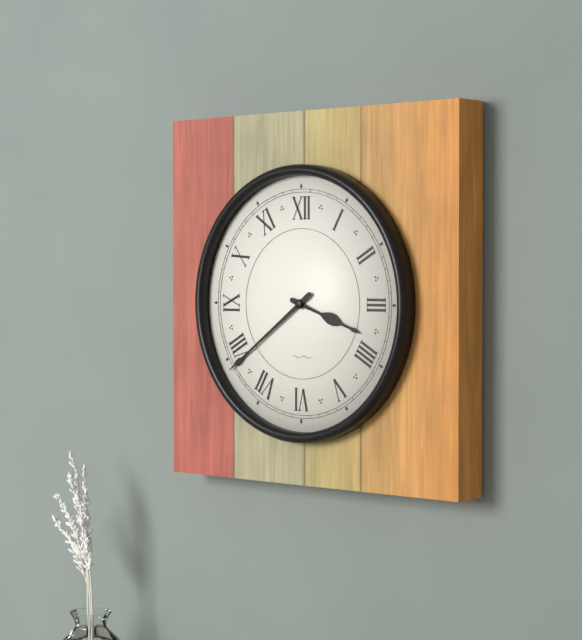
**3:39**
